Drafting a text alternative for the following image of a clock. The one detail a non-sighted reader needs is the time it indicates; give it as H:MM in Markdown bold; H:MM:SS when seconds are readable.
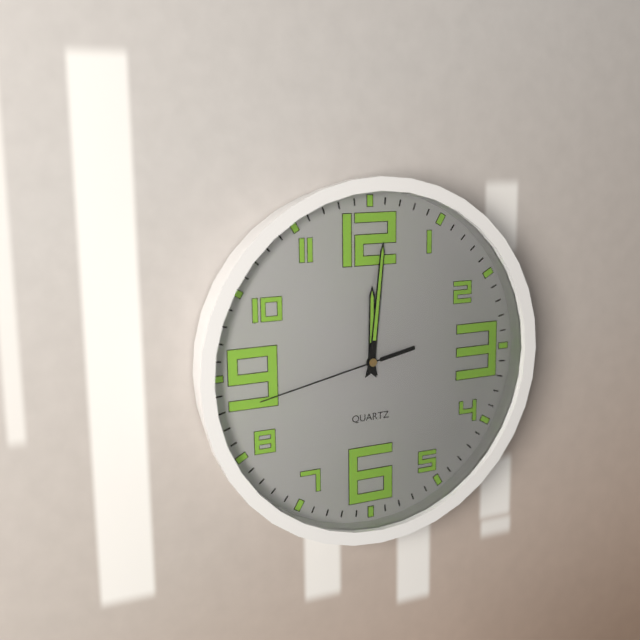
**12:01:43**
